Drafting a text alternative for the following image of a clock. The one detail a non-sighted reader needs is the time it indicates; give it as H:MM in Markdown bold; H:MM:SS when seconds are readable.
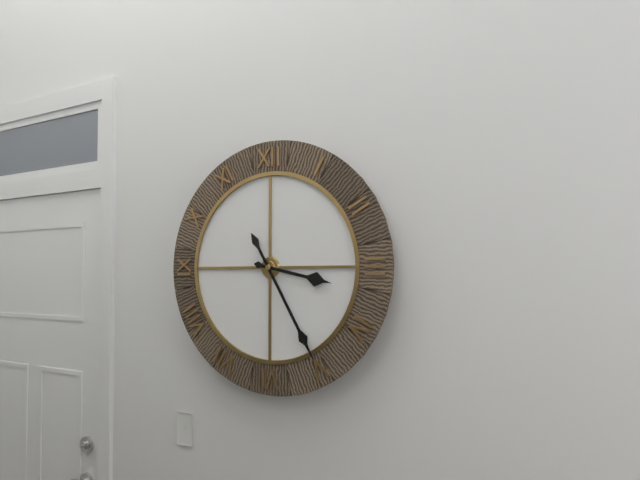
**3:25**
